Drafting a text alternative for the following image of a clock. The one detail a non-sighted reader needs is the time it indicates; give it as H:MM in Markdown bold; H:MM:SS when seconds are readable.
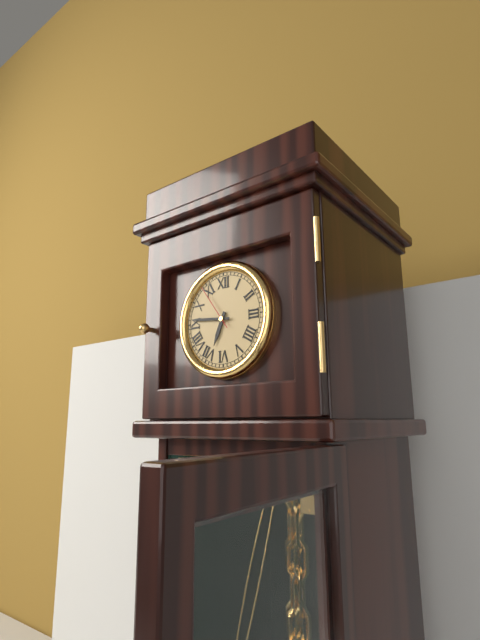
**6:46:54**
